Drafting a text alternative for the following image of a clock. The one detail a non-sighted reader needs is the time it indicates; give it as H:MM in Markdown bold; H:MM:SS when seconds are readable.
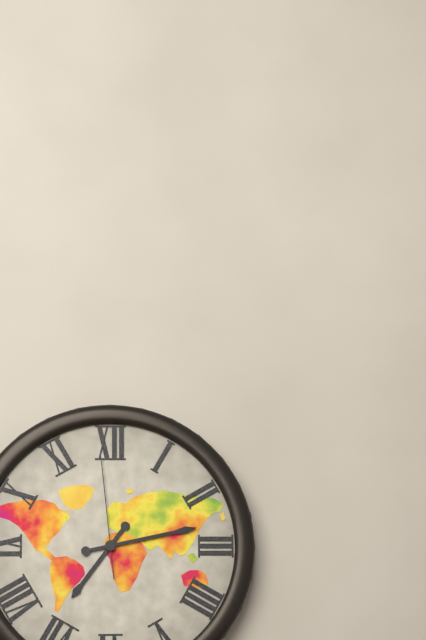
**7:13:59**
